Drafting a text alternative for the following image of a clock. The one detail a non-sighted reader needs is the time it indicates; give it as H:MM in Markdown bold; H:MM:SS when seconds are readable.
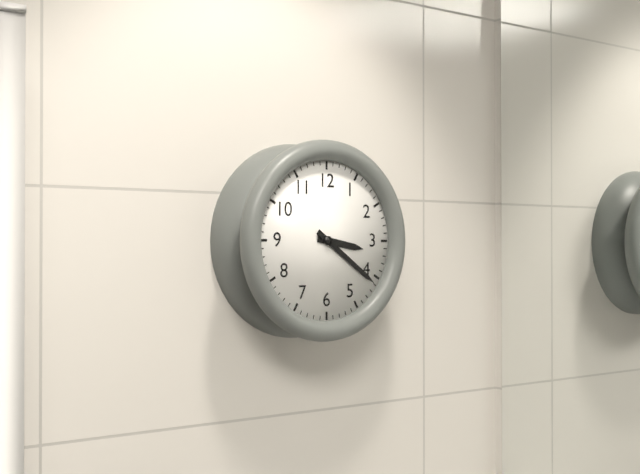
**3:21**
